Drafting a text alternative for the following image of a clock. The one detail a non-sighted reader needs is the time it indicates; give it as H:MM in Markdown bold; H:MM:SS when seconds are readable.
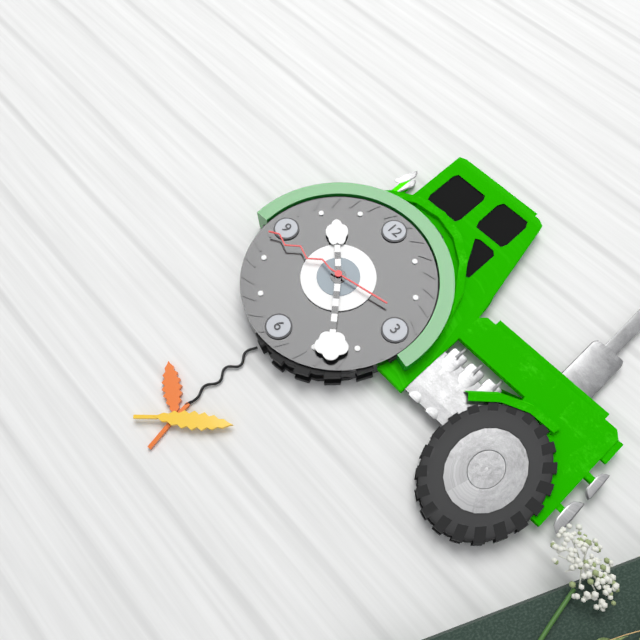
**10:23:43**
